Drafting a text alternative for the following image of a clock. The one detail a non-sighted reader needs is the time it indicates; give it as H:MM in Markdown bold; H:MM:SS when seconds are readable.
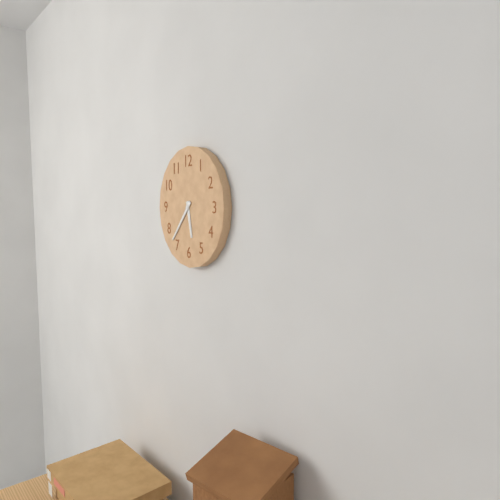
**5:37**
